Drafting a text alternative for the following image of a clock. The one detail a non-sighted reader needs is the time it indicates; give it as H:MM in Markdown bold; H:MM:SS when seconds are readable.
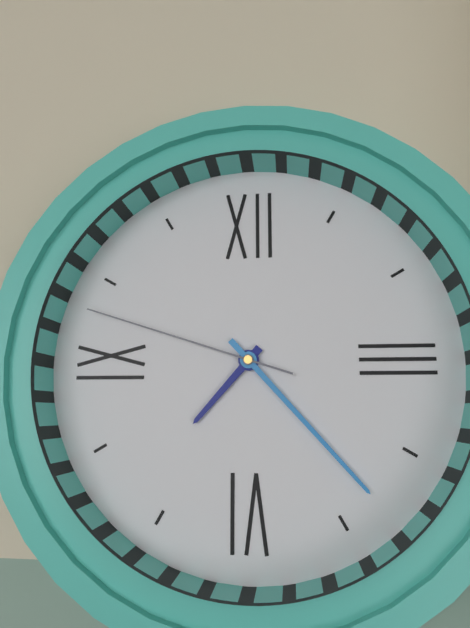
**7:23:48**
